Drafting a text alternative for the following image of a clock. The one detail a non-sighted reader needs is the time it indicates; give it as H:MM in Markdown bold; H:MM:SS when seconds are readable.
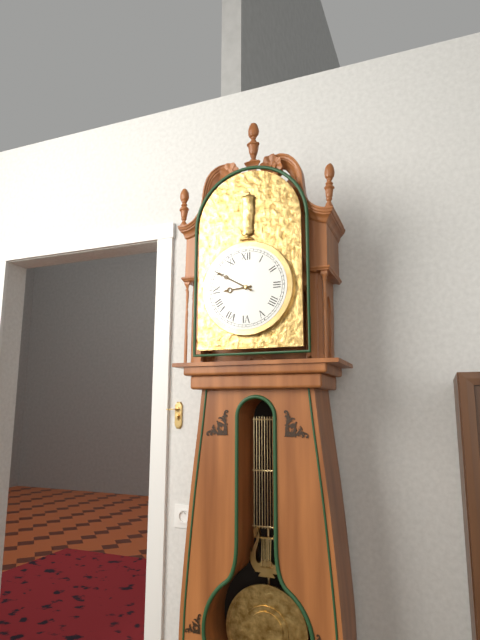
**8:50**
